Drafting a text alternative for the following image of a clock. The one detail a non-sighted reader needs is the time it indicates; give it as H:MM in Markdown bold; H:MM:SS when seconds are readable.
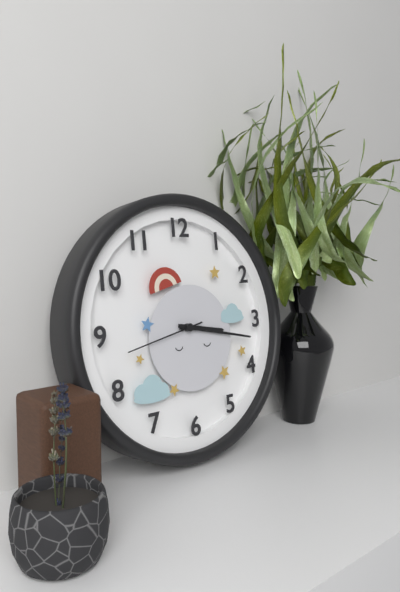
**3:17:43**
